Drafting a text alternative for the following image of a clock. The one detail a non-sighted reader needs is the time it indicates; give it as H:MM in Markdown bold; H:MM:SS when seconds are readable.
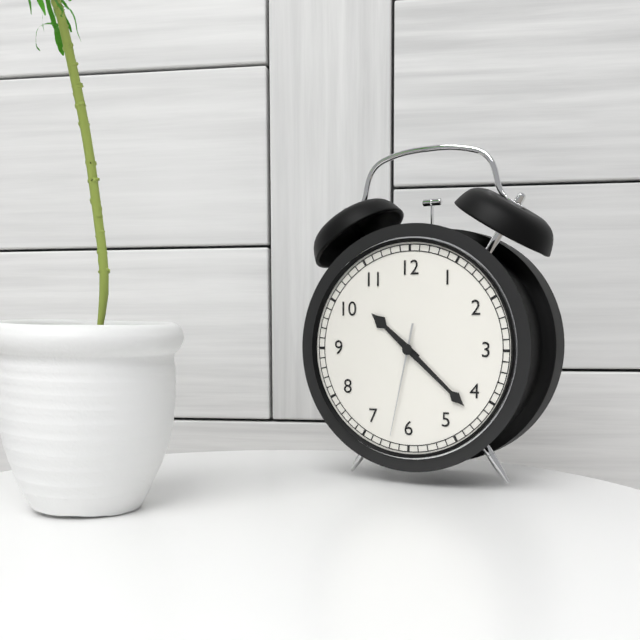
**10:22:32**
